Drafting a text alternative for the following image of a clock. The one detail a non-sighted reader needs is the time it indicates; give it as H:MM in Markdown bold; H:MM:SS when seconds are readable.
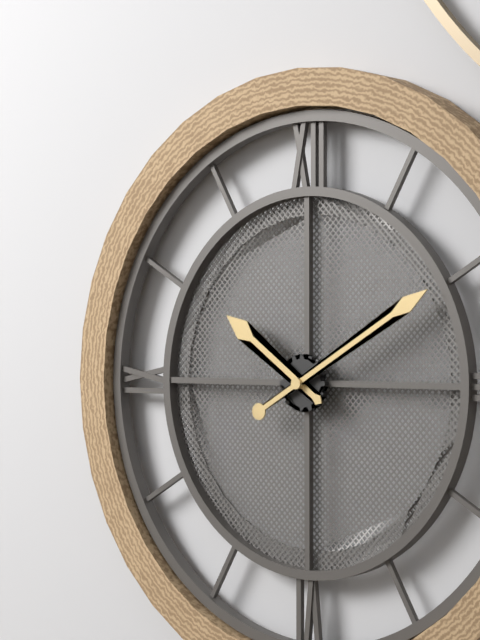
**10:10**
